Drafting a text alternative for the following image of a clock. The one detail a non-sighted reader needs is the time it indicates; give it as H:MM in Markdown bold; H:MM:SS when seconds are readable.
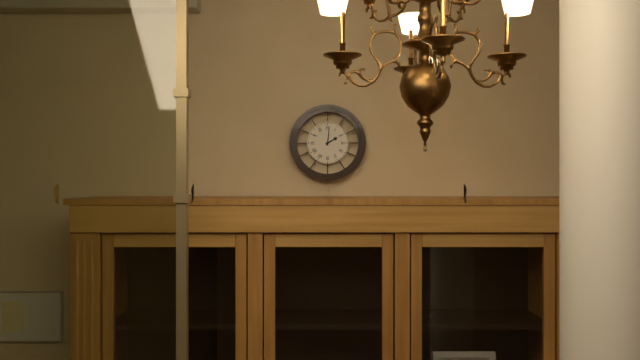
**2:01**
